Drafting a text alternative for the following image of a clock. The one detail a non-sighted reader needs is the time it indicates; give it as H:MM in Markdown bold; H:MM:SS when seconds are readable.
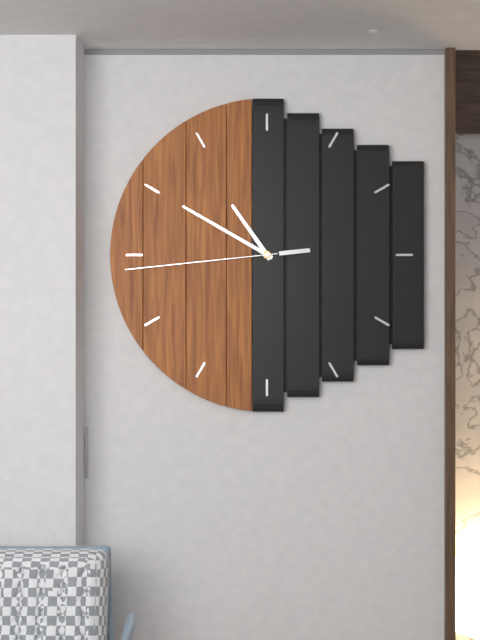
**10:50:44**
